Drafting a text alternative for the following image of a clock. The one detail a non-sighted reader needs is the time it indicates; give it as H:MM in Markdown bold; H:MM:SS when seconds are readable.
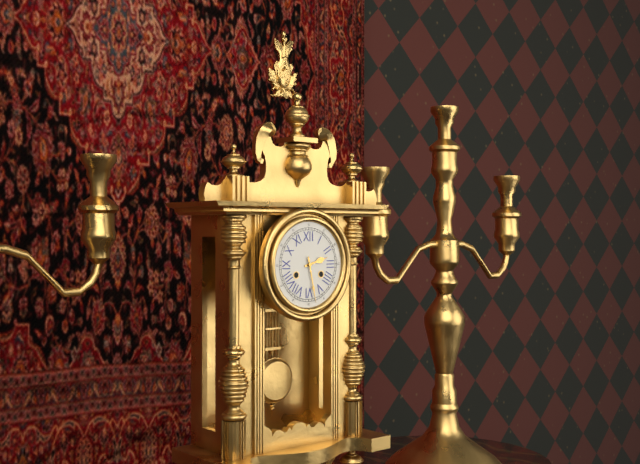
**2:28**
